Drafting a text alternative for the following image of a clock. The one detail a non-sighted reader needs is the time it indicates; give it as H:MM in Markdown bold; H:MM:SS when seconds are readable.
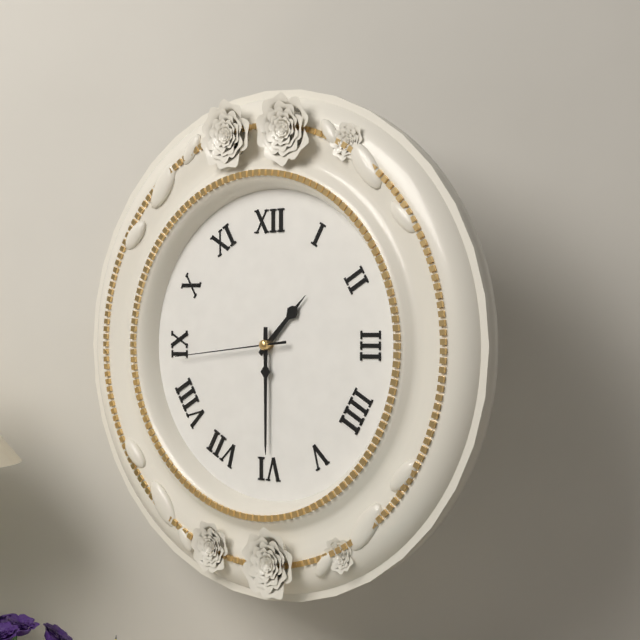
**1:30:44**
